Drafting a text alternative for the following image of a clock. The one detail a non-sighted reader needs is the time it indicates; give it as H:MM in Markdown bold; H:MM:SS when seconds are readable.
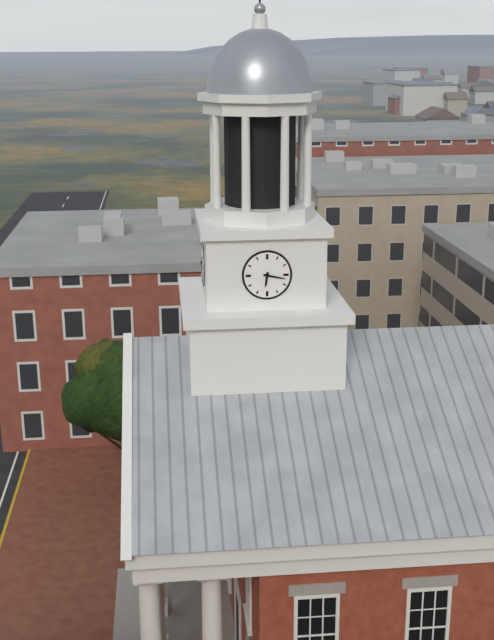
**6:17**
